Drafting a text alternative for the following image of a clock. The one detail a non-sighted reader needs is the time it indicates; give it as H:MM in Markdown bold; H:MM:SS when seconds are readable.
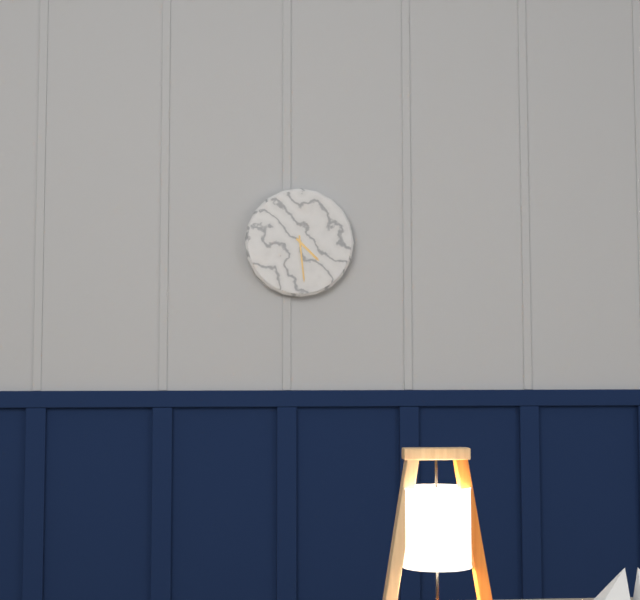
**4:29**
